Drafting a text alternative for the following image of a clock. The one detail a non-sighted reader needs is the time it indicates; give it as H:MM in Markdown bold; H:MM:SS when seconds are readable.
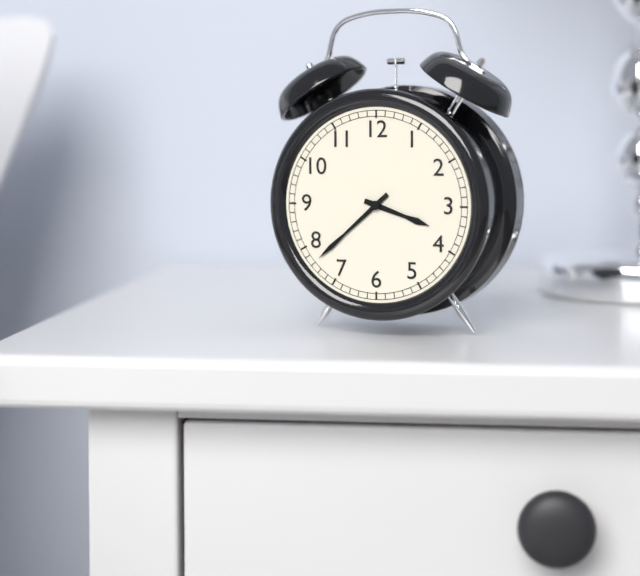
**3:38**
